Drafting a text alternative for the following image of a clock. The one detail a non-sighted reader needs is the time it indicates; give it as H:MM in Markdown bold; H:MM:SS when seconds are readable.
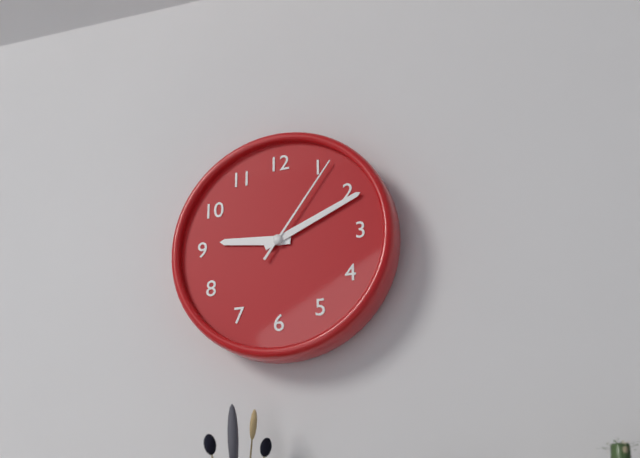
**9:11:06**
